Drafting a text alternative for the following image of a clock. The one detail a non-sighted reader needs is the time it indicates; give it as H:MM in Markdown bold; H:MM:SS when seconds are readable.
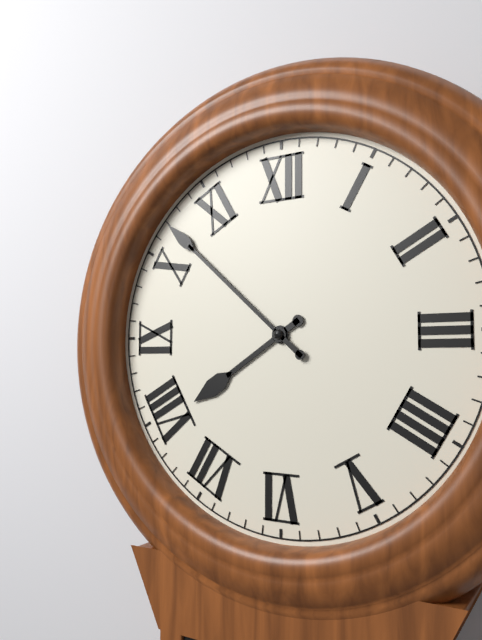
**7:52**
